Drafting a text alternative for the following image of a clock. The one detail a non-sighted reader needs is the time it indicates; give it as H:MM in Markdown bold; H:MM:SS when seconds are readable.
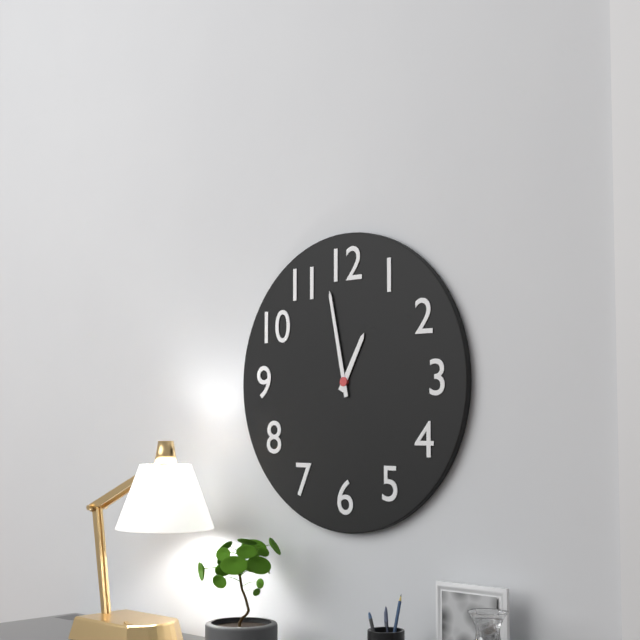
**12:58**
